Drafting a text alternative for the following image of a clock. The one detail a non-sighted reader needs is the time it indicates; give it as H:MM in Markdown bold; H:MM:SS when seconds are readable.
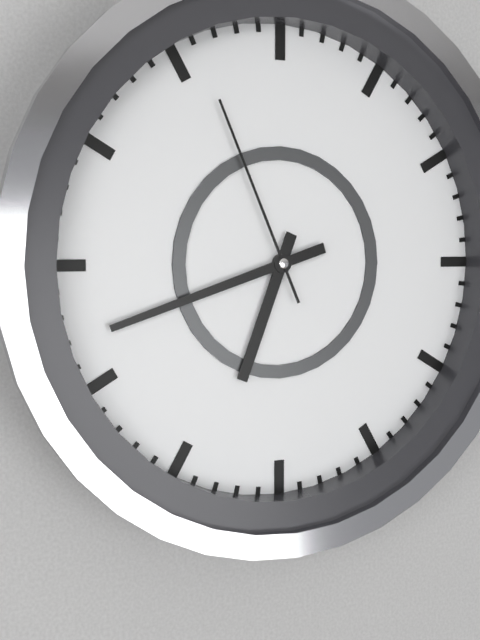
**6:42:56**
